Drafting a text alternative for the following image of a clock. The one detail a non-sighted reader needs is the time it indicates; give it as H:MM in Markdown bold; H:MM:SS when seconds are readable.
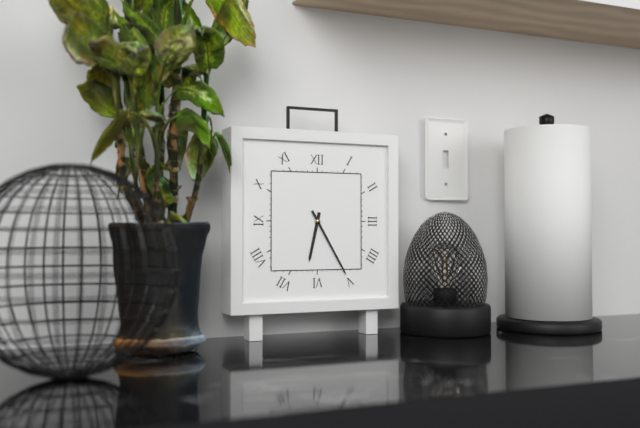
**6:25**
